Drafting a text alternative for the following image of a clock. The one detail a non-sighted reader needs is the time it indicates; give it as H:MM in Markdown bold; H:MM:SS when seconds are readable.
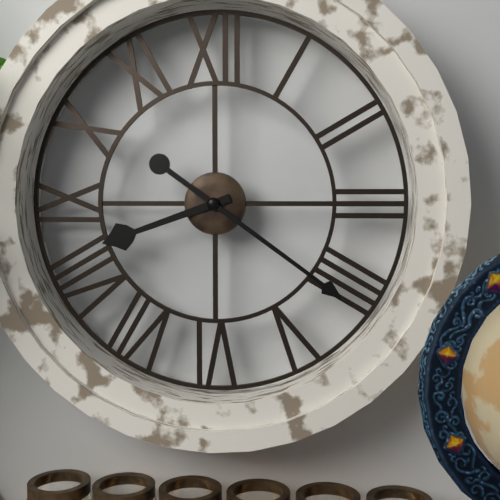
**8:21**
